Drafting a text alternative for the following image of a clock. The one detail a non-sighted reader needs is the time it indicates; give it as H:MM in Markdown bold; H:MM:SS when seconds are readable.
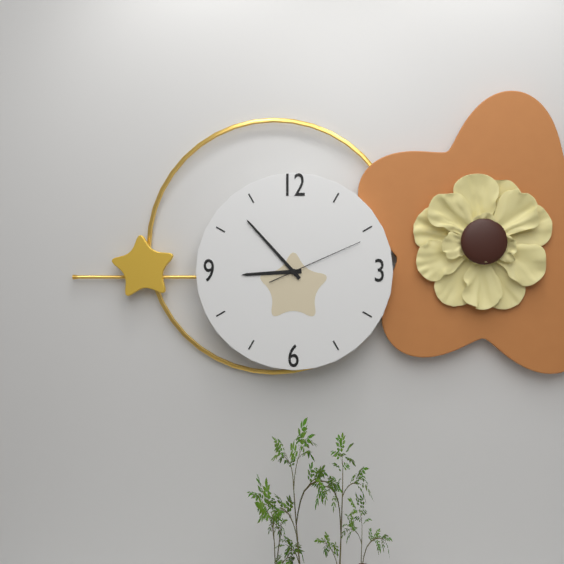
**8:53:11**
